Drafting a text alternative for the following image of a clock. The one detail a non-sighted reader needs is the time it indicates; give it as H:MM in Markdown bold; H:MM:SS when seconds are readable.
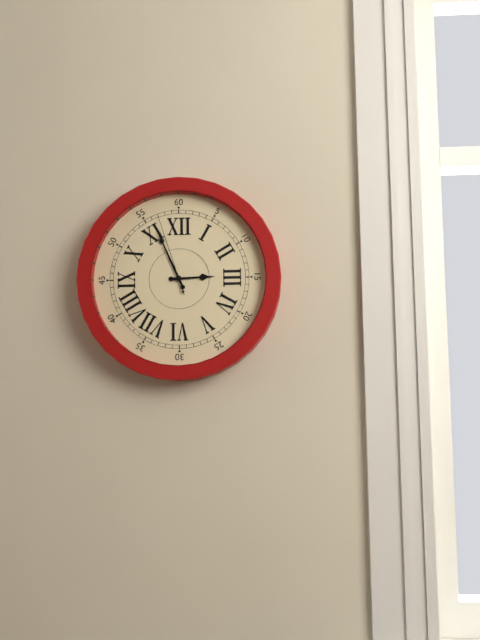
**2:56:57**
